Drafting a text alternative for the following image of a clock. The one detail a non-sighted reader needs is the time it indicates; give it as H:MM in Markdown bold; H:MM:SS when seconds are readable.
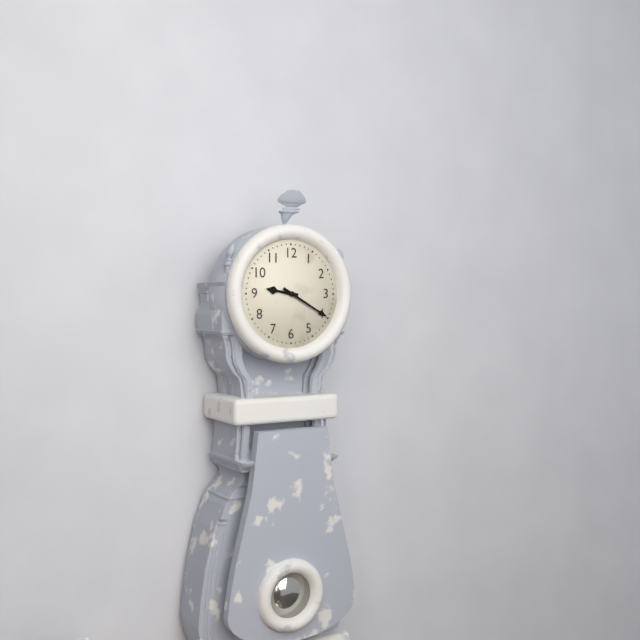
**9:20**
